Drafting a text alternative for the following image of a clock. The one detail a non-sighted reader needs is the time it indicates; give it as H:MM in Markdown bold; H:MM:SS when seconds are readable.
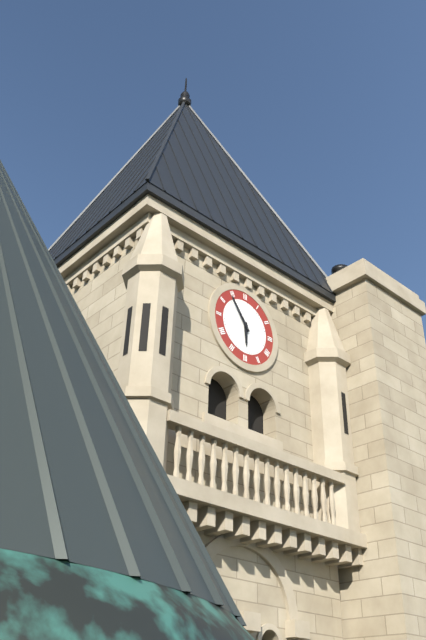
**5:54**
